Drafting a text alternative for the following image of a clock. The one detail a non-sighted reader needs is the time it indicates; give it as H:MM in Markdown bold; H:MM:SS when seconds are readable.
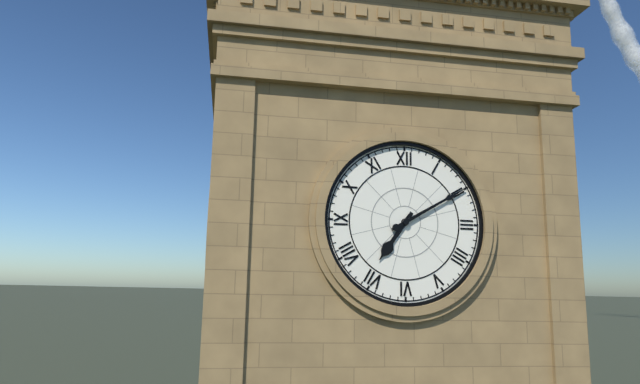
**7:10**
